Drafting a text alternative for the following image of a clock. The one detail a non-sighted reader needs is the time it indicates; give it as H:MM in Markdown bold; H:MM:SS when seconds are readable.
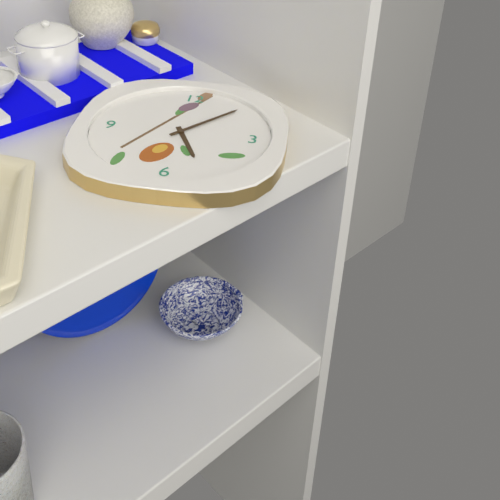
**5:07**
